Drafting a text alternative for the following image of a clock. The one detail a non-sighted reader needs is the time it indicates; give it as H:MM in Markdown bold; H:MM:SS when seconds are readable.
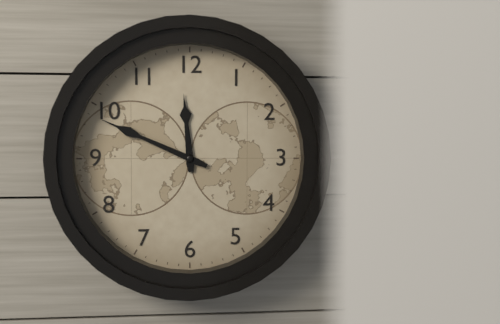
**11:49**
